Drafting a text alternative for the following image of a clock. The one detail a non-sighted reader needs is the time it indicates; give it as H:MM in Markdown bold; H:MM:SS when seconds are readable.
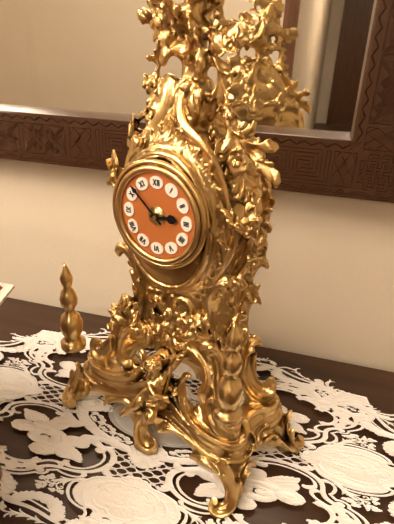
**2:52**
